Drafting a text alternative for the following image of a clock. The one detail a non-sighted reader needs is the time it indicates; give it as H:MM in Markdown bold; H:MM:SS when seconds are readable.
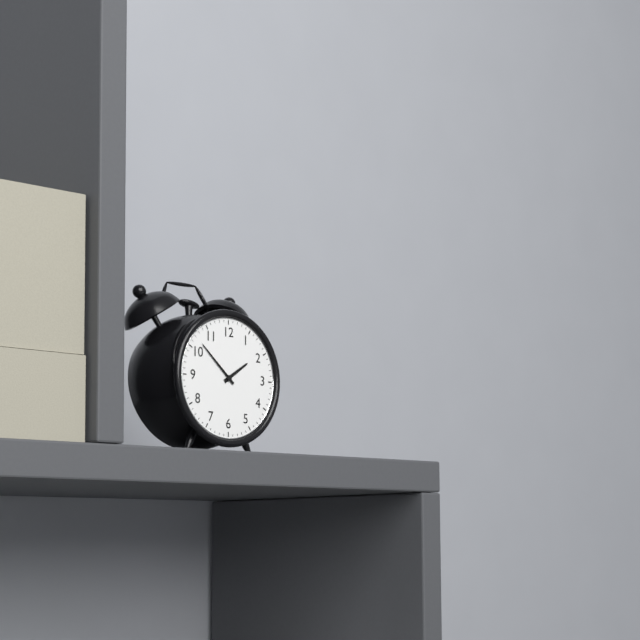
**1:52**
